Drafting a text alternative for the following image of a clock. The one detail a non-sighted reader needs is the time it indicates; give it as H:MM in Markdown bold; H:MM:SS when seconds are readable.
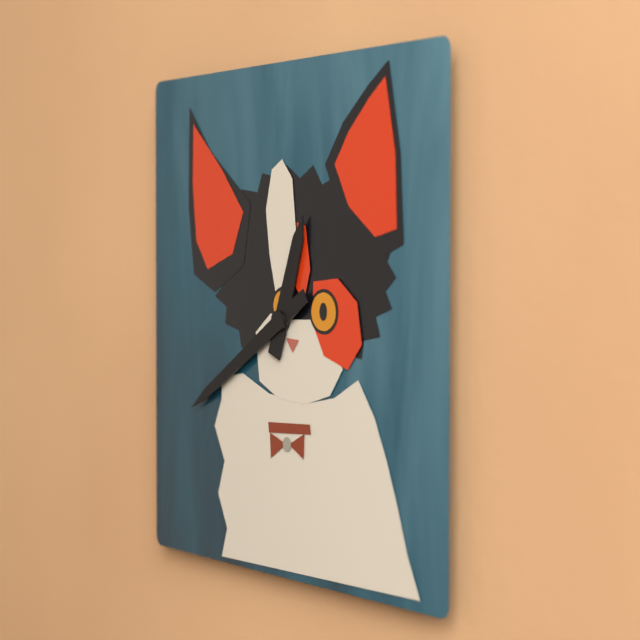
**12:40**
